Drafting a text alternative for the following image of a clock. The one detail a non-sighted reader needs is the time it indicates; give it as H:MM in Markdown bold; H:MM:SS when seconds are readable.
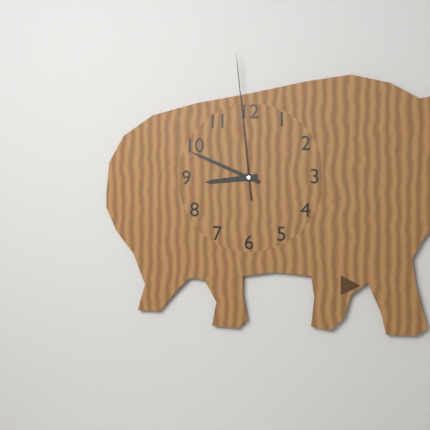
**8:49:59**
